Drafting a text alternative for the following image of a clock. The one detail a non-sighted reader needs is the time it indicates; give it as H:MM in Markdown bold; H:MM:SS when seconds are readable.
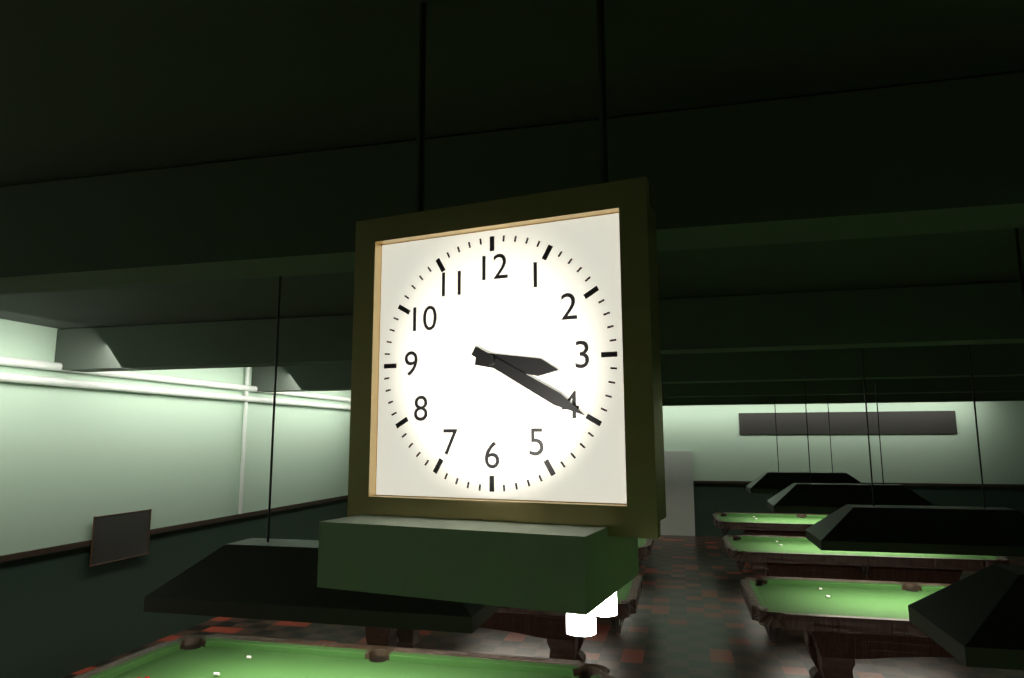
**3:20**
